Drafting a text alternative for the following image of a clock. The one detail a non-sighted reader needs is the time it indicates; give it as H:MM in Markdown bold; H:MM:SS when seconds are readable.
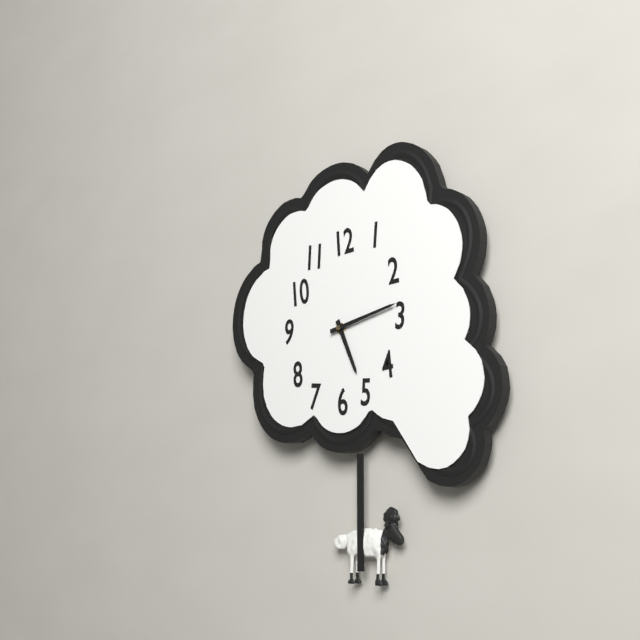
**5:13**
